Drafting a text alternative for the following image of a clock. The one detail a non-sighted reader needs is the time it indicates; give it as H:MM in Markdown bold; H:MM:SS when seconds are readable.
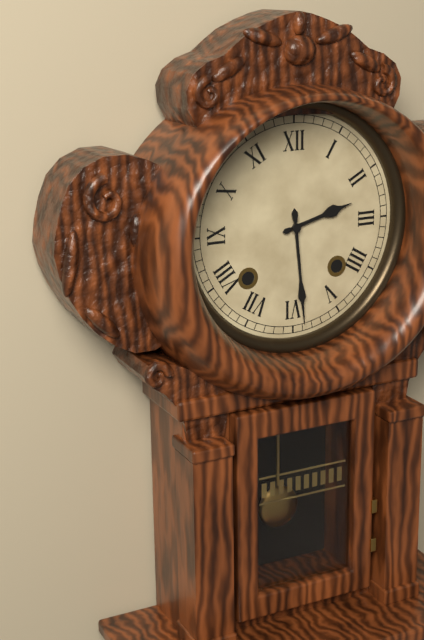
**2:29**
